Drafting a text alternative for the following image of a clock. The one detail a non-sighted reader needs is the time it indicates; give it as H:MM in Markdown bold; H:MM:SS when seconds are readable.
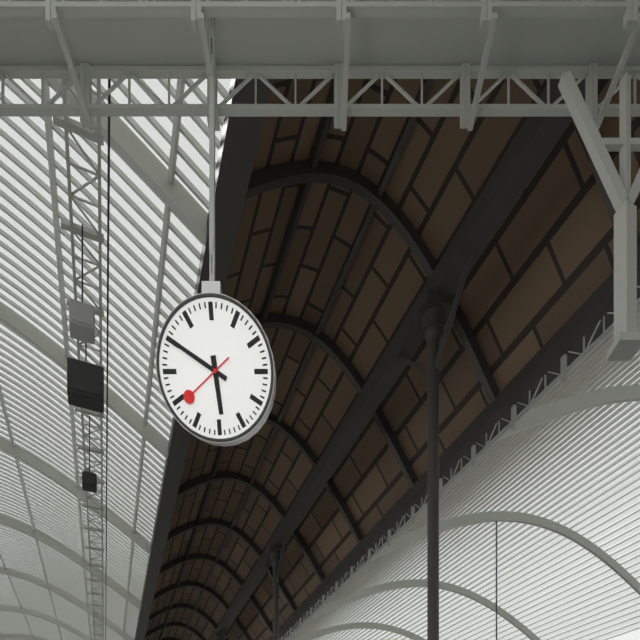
**5:50:39**
